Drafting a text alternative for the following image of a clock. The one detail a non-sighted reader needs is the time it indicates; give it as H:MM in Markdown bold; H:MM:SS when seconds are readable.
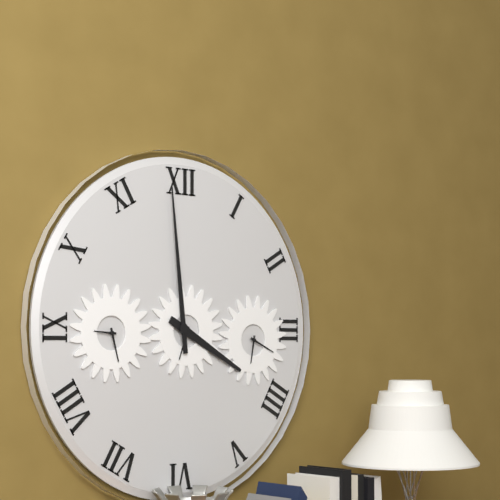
**3:59**
